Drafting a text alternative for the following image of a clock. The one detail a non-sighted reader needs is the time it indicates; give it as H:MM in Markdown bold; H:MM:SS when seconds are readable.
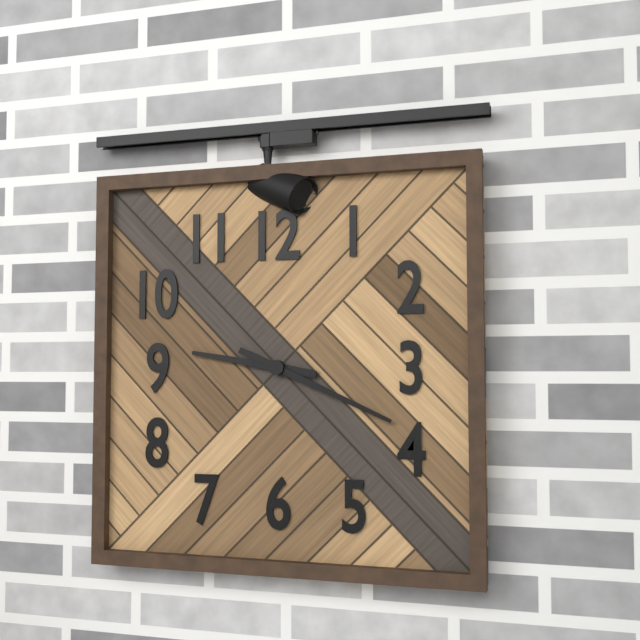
**9:19**
